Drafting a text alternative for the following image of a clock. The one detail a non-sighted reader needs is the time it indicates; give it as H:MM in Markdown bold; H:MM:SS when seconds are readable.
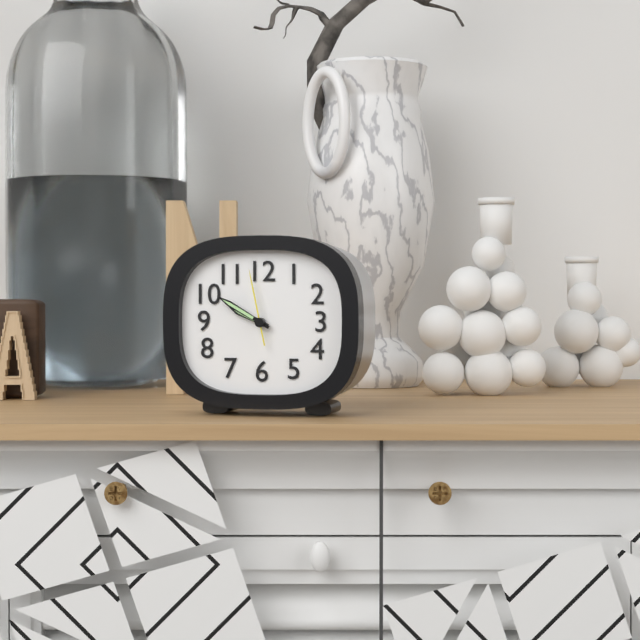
**9:50:58**
